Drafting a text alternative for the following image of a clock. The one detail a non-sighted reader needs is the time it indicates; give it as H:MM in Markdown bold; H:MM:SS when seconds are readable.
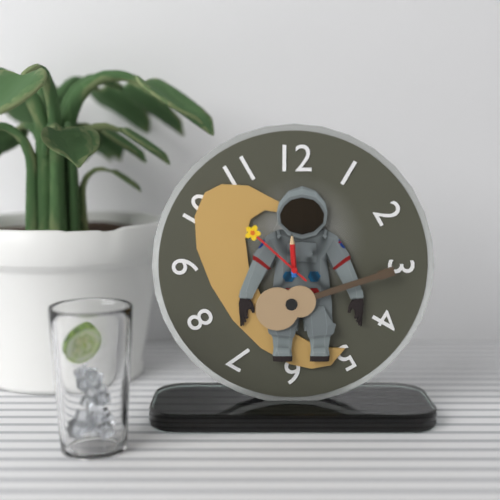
**11:52**
